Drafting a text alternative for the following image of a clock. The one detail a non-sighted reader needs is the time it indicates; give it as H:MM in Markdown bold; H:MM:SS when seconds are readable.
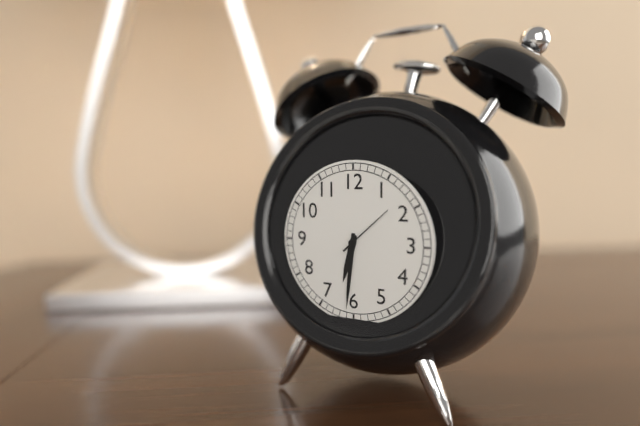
**6:31:08**
